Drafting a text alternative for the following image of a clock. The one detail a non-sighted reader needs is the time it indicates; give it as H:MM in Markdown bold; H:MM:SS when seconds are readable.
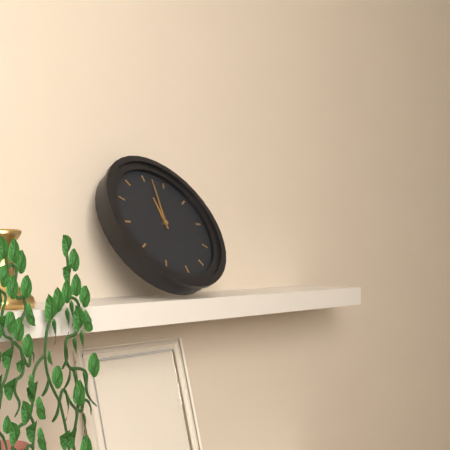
**12:02**
